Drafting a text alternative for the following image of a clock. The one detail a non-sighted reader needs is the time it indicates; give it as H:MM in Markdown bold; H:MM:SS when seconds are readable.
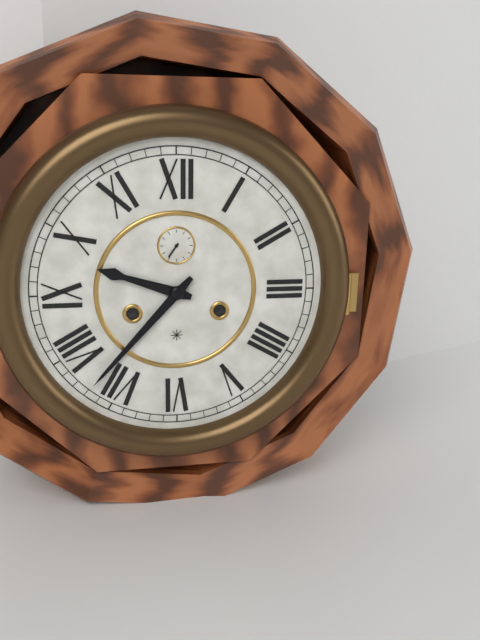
**9:37**
